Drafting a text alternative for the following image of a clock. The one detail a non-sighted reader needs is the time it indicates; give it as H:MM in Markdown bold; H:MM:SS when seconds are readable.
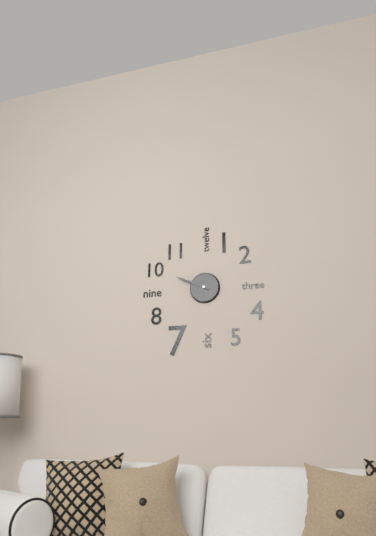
**9:49**
